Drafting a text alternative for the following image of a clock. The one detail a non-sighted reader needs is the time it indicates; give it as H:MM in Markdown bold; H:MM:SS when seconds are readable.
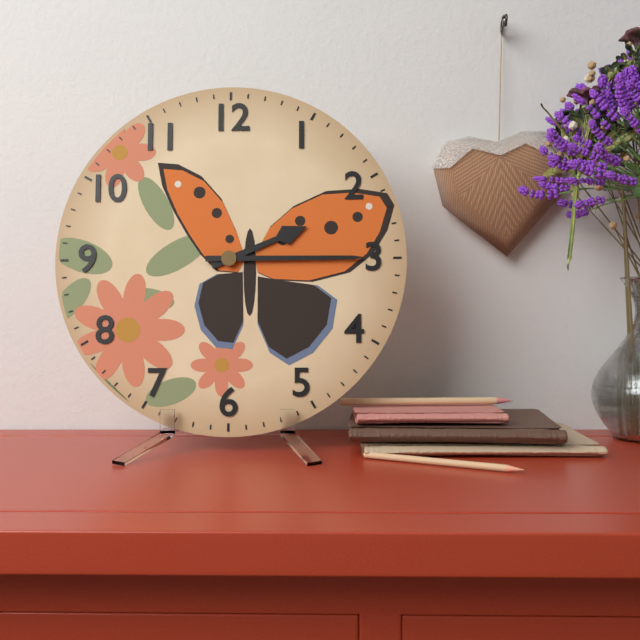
**2:15**
